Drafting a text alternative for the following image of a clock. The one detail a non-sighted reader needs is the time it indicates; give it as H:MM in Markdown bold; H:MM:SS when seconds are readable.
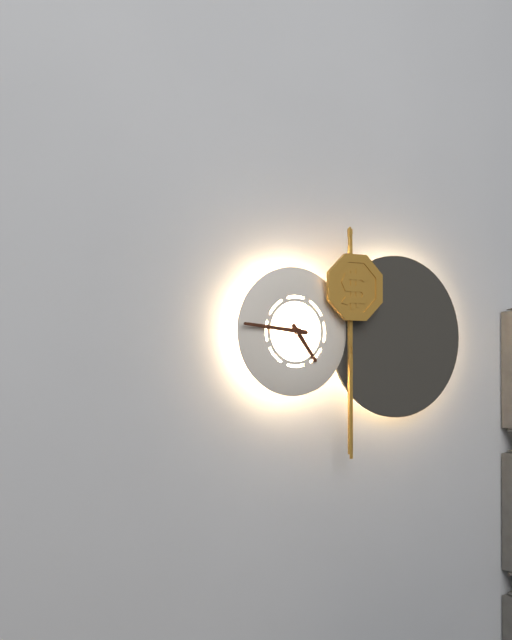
**4:46**
